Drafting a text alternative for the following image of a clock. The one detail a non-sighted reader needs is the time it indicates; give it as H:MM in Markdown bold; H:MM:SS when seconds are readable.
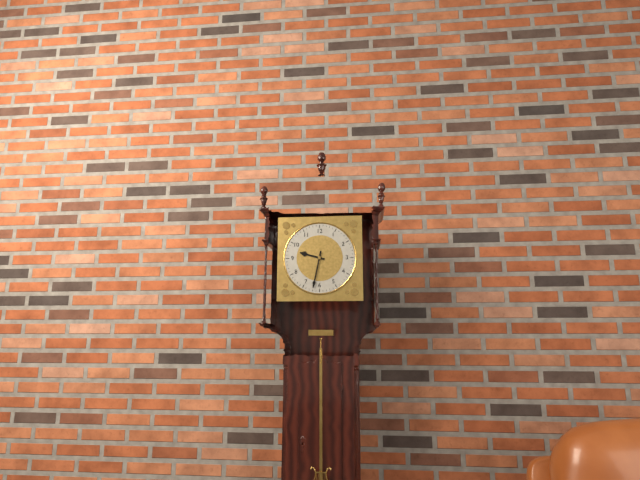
**9:32**
